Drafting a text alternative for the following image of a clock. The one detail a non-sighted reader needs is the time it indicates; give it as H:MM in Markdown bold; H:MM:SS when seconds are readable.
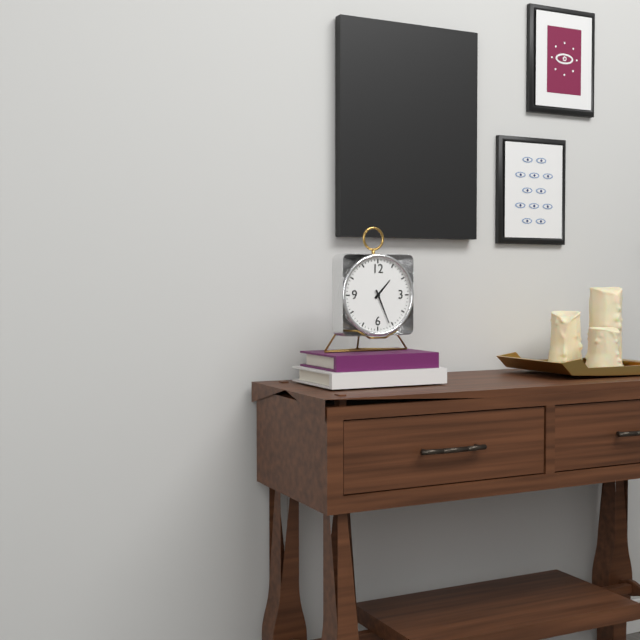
**1:26**
